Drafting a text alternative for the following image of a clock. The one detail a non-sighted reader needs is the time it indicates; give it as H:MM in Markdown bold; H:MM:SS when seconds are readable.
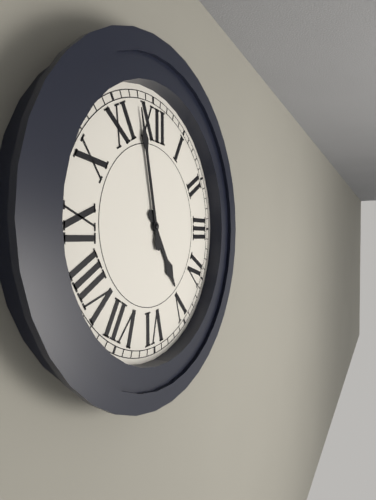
**4:58**
